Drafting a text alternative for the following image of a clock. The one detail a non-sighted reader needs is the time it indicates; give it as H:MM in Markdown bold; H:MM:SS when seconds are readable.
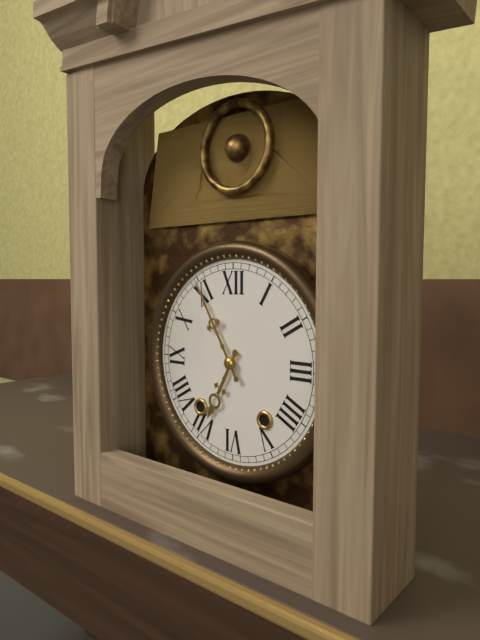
**6:55**
